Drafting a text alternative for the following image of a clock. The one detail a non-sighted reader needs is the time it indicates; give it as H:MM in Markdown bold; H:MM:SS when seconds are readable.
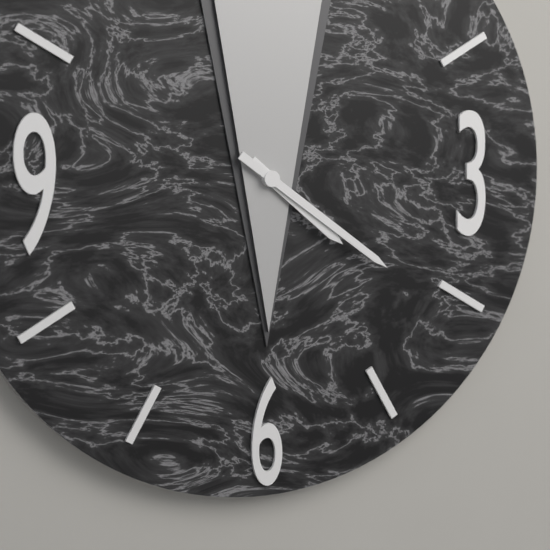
**4:21**
